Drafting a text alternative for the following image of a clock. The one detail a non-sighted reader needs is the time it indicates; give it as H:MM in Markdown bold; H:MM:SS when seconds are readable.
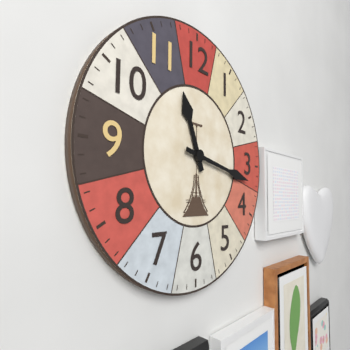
**11:17**
